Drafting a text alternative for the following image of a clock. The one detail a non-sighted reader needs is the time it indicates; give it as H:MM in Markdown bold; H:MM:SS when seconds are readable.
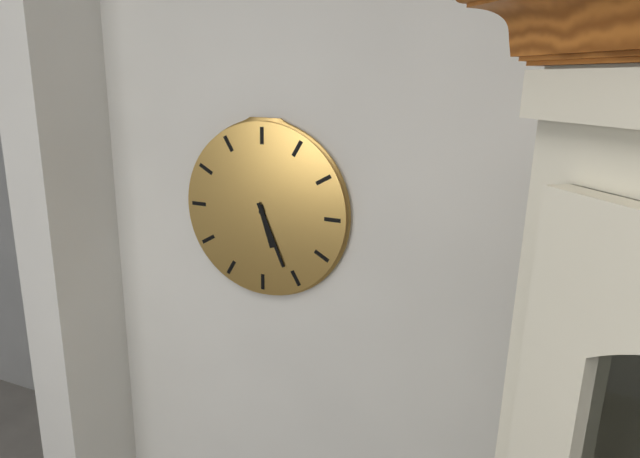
**5:26**
